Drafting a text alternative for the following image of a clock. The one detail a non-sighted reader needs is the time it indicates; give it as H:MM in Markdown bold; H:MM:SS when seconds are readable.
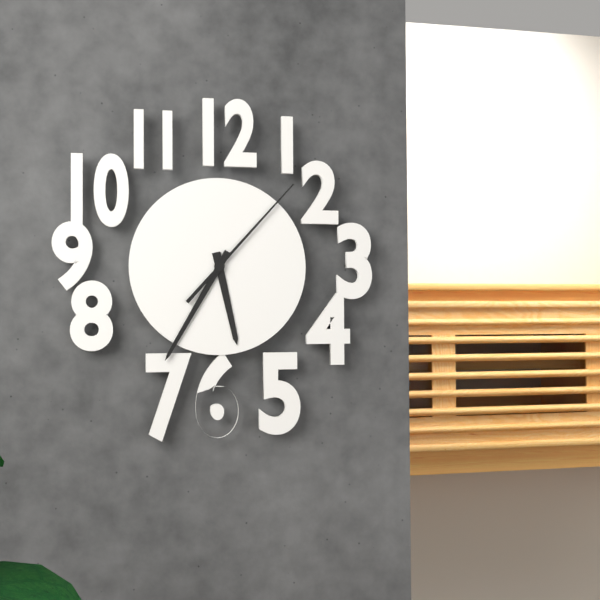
**5:35:07**
